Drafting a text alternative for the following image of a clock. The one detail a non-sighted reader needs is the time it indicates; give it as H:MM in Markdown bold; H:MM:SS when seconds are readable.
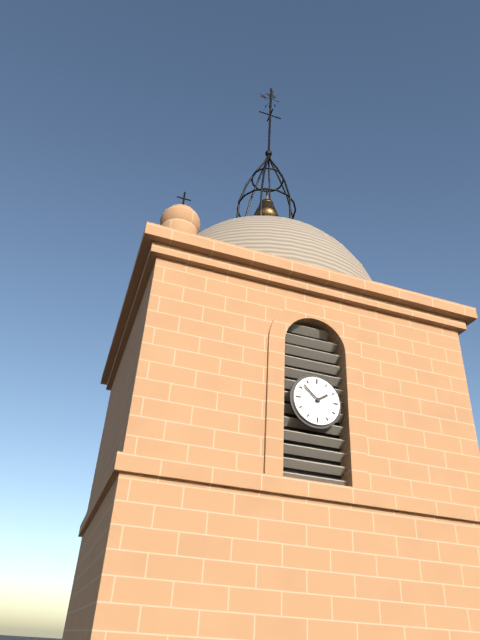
**1:52**
